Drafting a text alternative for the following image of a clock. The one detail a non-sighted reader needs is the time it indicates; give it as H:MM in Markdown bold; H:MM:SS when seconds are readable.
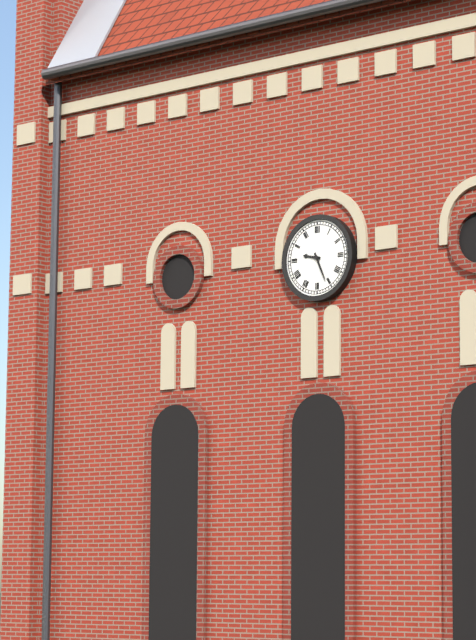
**9:26**
